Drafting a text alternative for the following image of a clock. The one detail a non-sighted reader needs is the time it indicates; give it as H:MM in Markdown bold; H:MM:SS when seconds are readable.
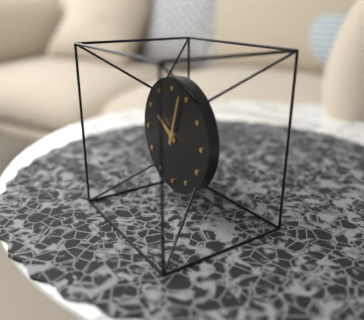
**10:03**
